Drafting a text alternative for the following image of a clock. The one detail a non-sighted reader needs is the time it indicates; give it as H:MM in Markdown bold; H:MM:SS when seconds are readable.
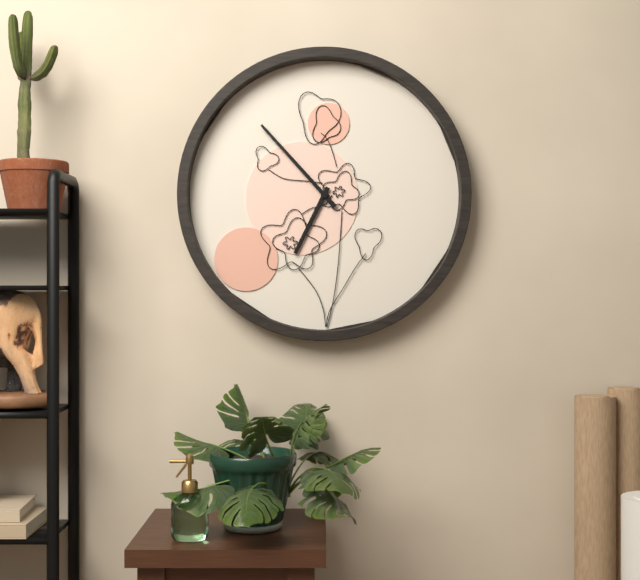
**6:53**
